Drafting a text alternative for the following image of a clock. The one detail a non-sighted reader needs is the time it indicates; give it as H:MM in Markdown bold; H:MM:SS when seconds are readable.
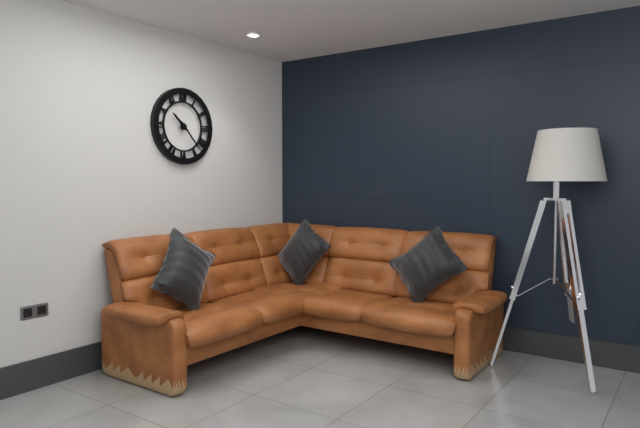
**10:23**
